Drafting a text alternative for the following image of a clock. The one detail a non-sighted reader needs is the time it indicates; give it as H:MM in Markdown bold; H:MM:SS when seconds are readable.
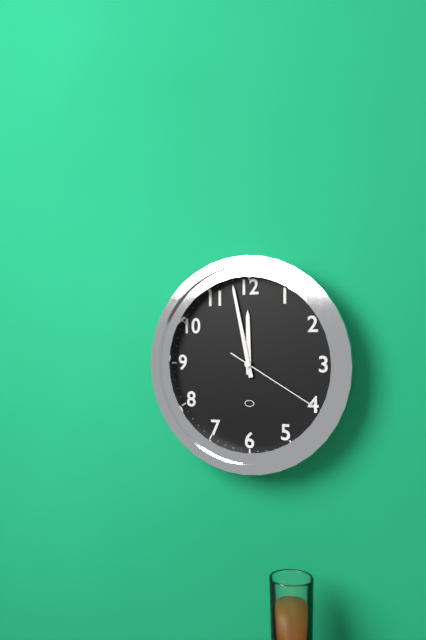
**11:58:20**
